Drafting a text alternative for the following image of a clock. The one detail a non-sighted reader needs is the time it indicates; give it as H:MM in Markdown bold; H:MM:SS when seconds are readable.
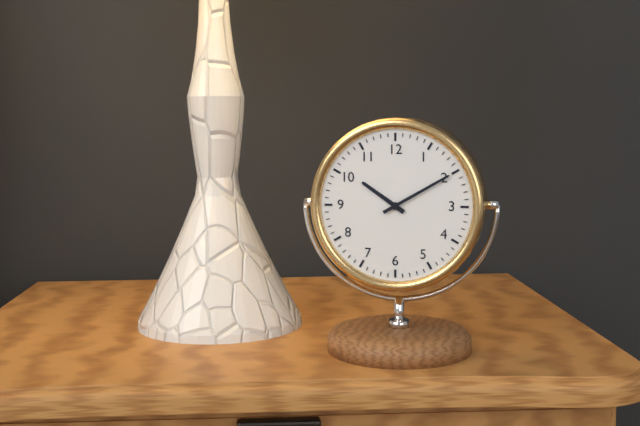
**10:10**
